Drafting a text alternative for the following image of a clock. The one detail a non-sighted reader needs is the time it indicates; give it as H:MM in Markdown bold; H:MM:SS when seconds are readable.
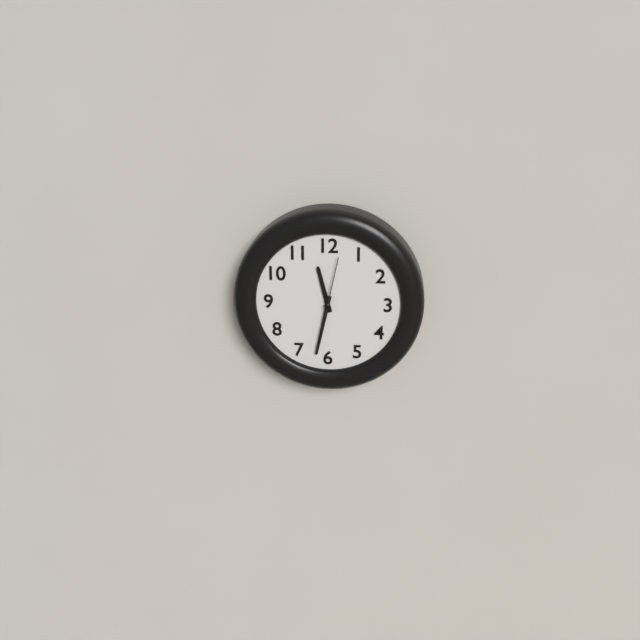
**11:32:02**
